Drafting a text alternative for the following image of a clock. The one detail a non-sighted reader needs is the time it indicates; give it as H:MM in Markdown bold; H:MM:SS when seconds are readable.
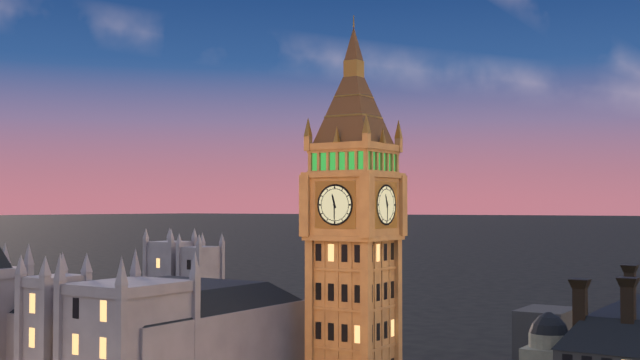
**11:30**
